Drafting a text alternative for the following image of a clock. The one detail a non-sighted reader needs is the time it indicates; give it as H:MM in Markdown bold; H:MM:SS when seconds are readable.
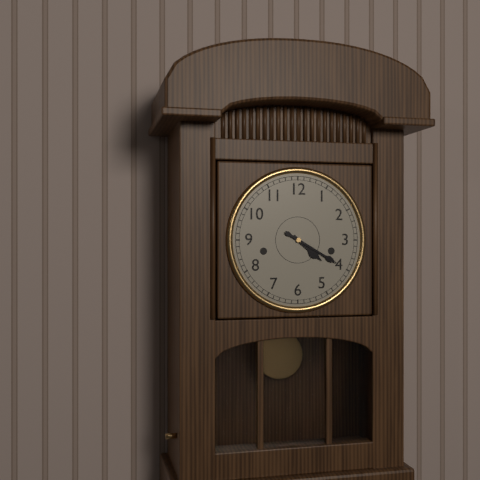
**4:20**
